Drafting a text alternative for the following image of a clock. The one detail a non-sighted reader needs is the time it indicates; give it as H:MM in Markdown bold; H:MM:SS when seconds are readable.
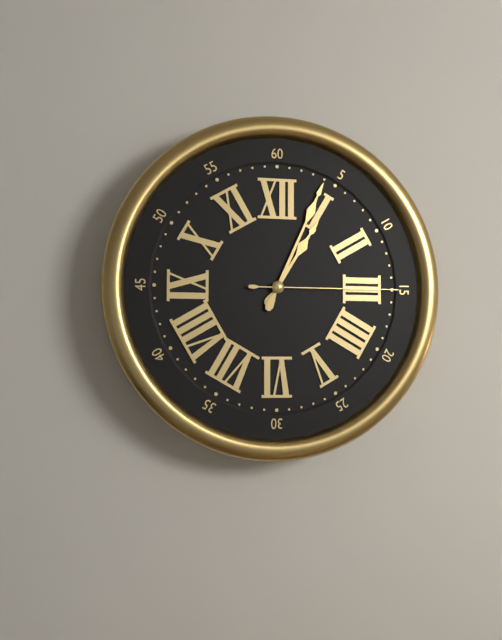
**1:04:15**
